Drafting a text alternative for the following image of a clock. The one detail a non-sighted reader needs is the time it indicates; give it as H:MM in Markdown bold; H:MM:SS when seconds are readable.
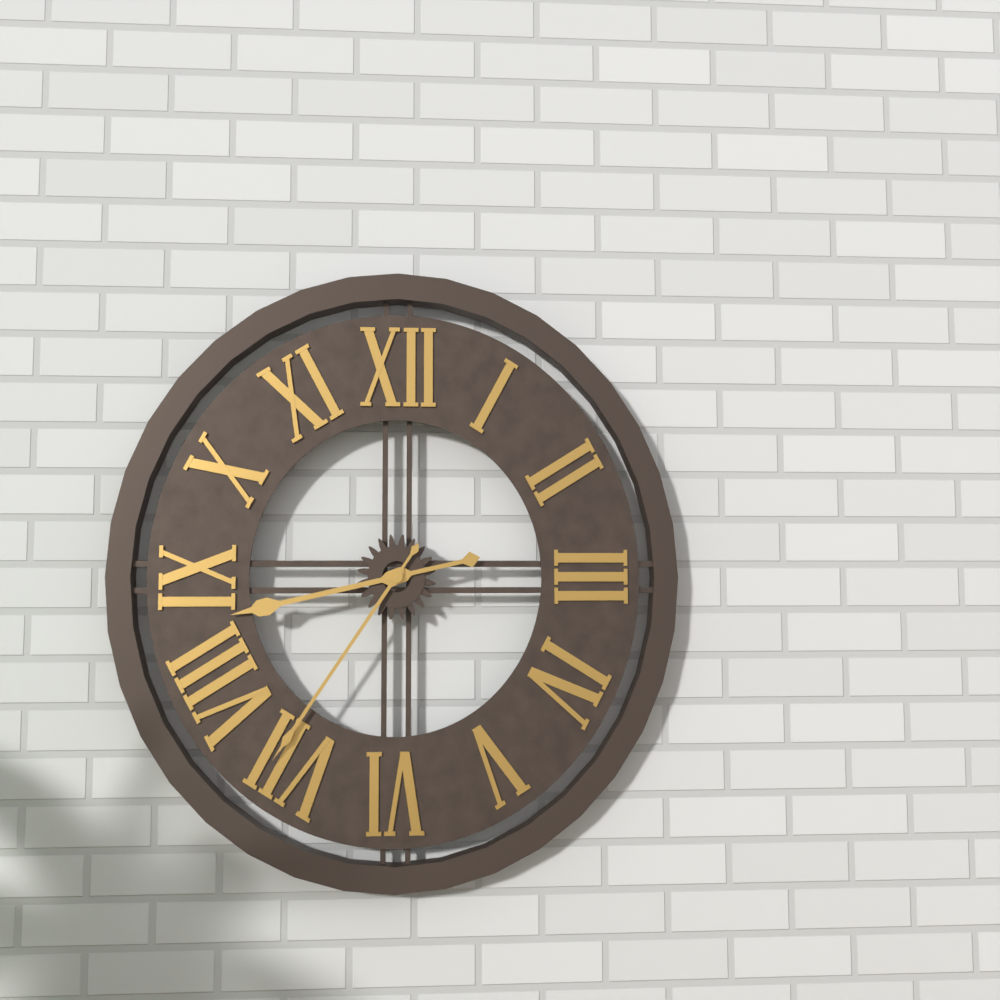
**8:36**
